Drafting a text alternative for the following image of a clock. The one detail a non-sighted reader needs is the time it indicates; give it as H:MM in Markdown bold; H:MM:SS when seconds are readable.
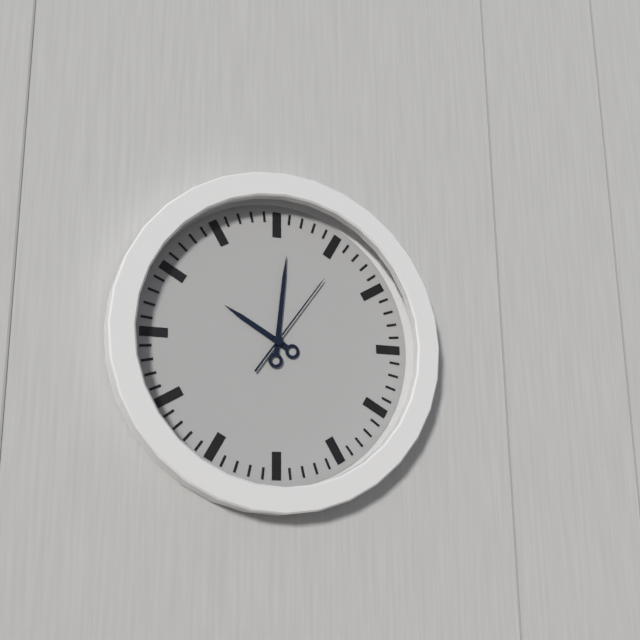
**10:01:06**
